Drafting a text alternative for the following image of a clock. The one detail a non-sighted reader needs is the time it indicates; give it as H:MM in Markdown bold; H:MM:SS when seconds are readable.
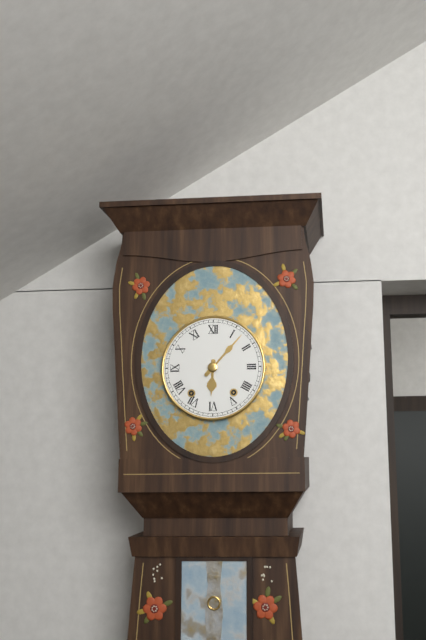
**6:07**
